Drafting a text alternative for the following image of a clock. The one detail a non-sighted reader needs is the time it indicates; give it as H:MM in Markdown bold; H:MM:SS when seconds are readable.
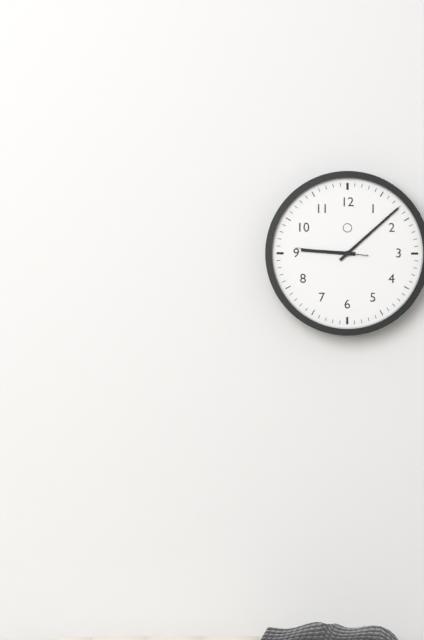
**9:08:46**
